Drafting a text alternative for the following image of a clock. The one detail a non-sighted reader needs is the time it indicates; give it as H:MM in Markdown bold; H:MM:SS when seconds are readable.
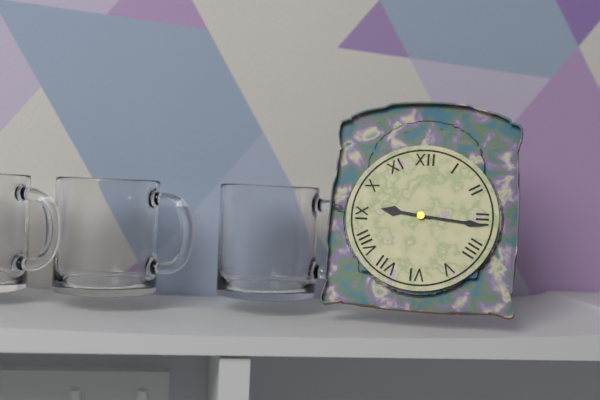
**9:16**
